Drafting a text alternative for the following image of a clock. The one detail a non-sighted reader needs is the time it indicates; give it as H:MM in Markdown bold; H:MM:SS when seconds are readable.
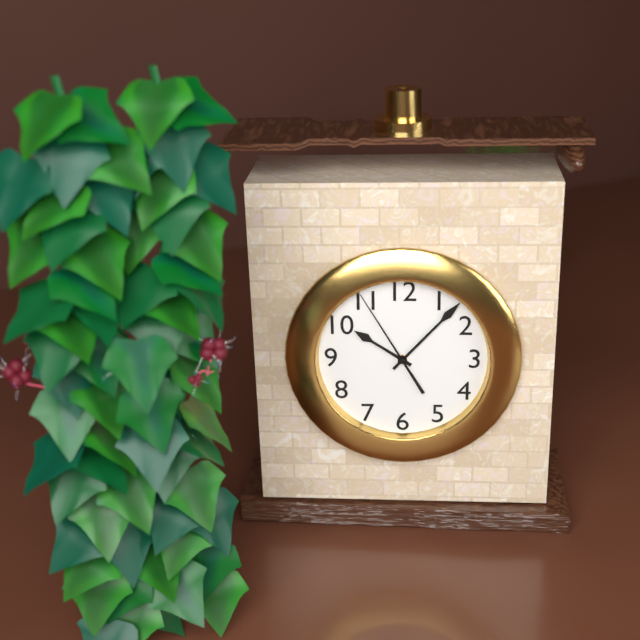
**10:07:55**
